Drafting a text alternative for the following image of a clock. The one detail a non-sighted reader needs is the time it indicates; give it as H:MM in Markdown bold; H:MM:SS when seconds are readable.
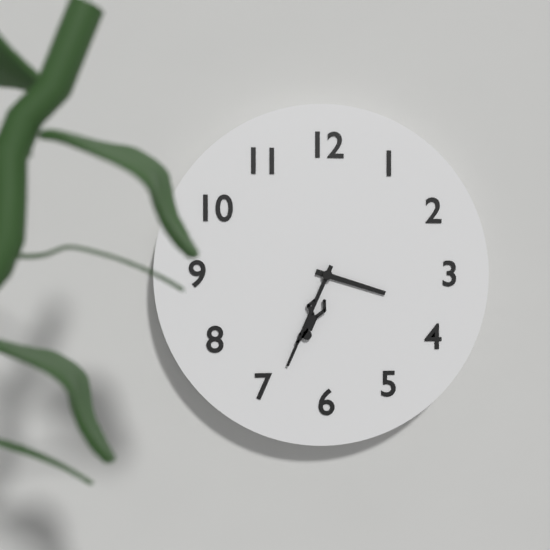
**3:34**
